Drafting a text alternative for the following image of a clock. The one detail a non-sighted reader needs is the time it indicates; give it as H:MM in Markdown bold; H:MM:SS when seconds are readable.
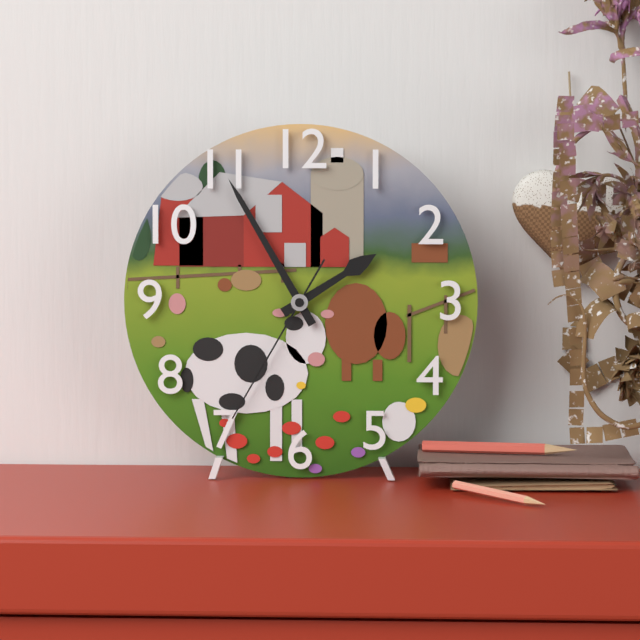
**1:55:35**
